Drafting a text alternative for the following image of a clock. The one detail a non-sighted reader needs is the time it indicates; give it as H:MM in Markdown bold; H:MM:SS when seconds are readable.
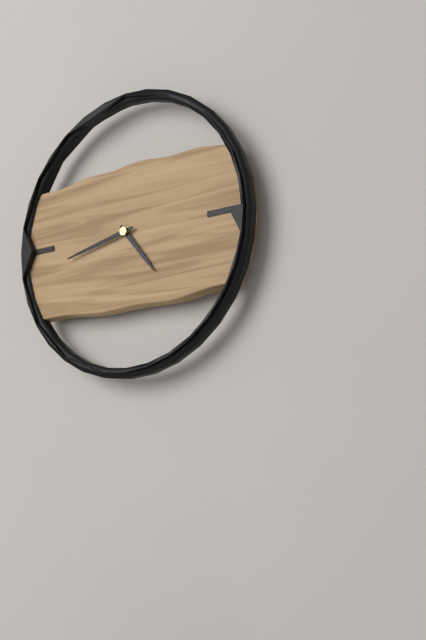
**4:43**
